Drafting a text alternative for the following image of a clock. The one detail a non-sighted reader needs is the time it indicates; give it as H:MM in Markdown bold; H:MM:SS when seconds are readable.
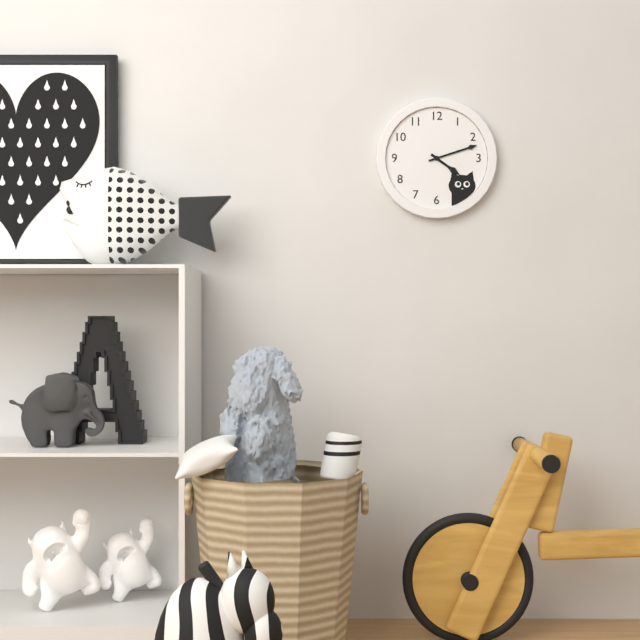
**4:12**
